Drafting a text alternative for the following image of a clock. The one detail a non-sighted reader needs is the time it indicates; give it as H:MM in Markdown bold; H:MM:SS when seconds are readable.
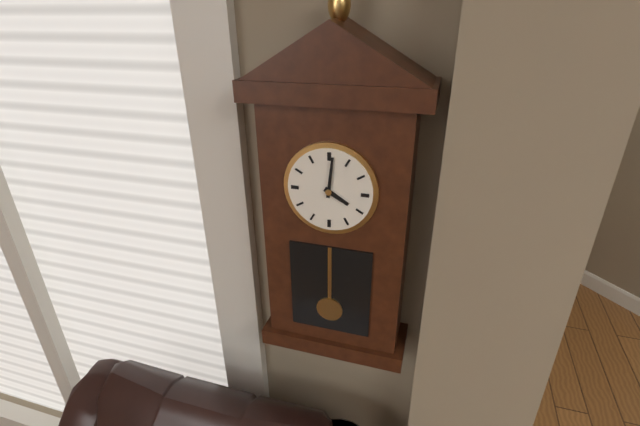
**4:01**
